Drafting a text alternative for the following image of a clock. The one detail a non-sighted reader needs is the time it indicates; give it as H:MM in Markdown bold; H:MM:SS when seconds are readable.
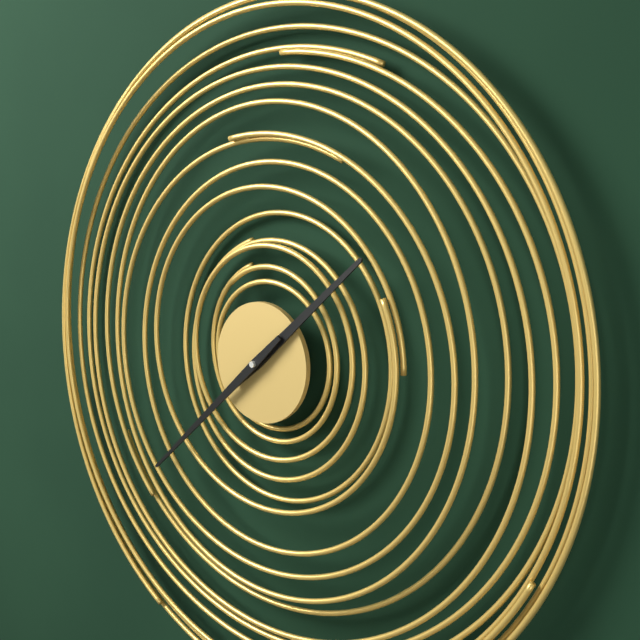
**1:38**
